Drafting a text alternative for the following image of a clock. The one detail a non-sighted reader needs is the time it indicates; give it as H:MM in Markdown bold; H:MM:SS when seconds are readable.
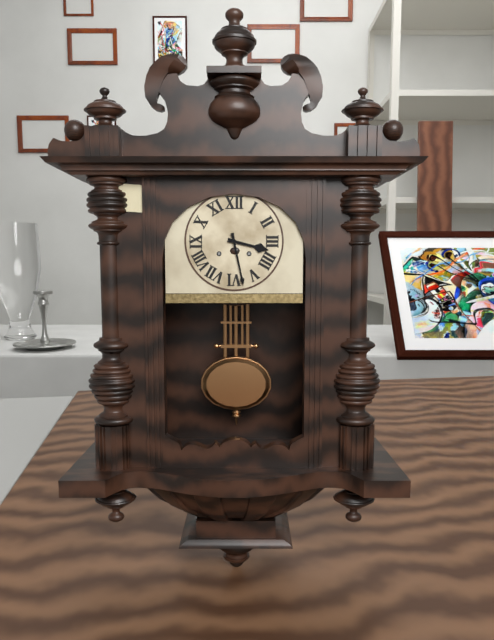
**3:28**
